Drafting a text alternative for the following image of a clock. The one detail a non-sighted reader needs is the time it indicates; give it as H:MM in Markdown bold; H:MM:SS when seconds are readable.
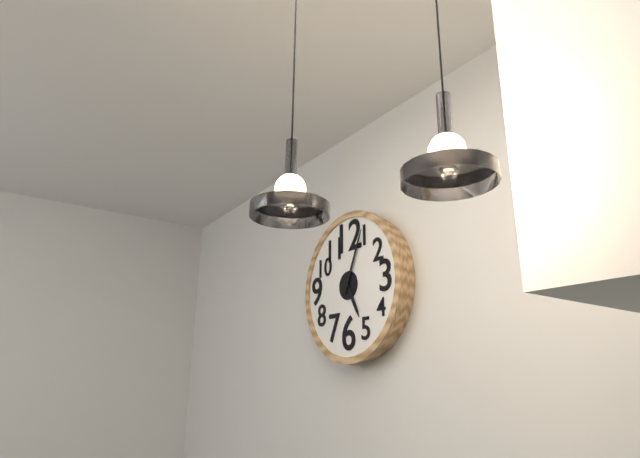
**5:04**
